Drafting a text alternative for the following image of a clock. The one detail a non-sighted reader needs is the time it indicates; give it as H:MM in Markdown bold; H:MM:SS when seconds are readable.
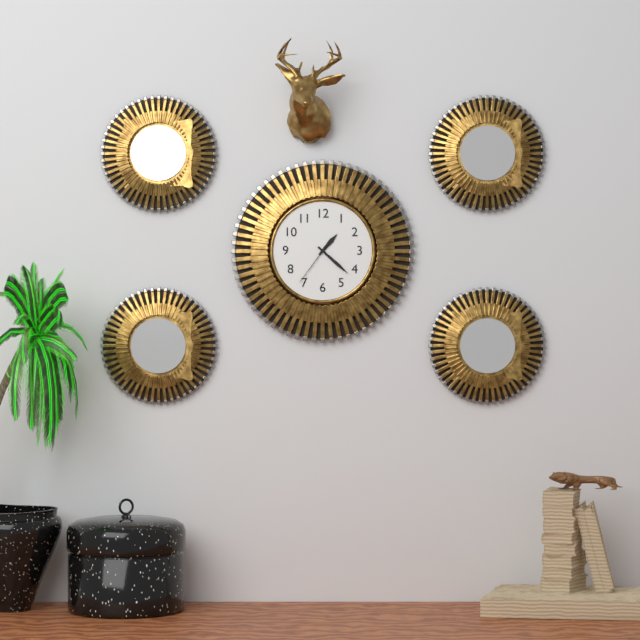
**1:22**
